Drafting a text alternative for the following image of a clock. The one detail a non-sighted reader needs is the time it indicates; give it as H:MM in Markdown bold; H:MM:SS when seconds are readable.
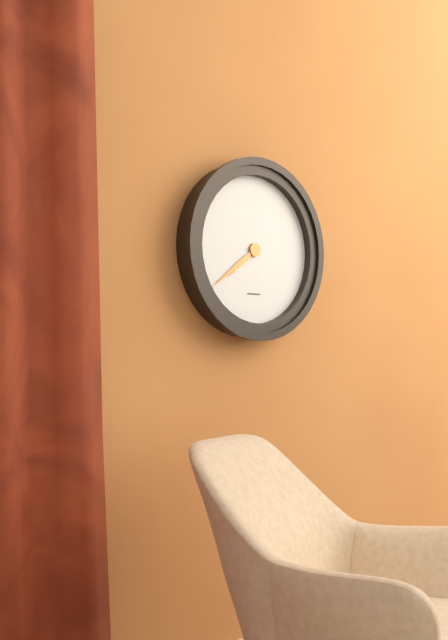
**7:39**
